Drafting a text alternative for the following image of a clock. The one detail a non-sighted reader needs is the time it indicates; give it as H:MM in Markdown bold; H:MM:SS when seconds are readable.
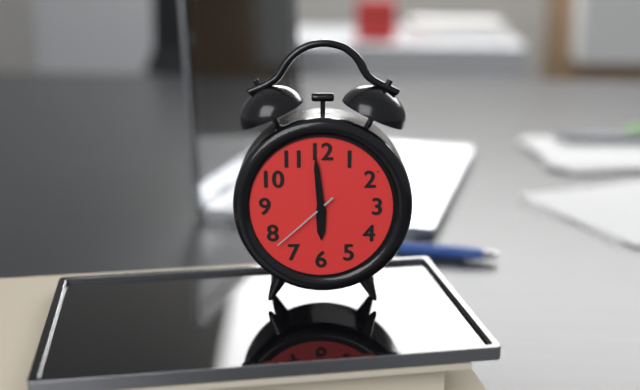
**5:59:38**
